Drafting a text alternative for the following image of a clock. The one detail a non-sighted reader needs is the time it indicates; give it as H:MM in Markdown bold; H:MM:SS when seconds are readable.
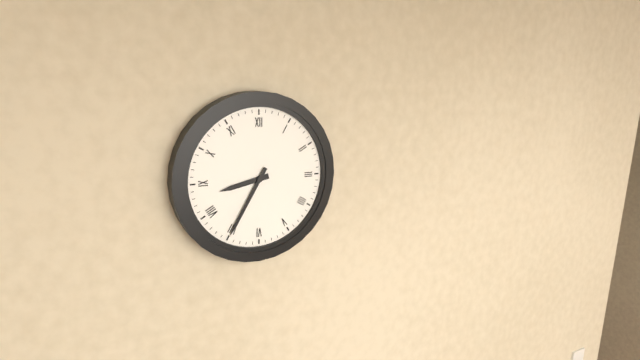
**8:35**
